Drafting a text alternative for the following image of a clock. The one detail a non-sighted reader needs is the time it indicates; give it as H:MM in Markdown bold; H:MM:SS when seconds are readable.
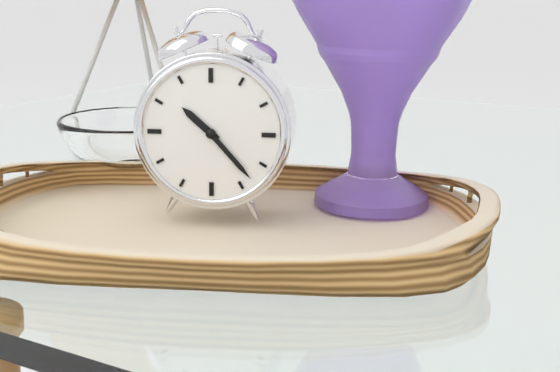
**10:23**
